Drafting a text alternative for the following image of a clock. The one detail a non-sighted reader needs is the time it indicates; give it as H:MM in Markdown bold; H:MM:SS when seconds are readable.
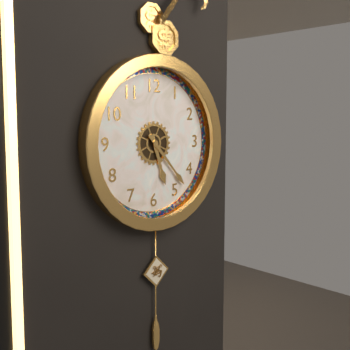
**5:23**
